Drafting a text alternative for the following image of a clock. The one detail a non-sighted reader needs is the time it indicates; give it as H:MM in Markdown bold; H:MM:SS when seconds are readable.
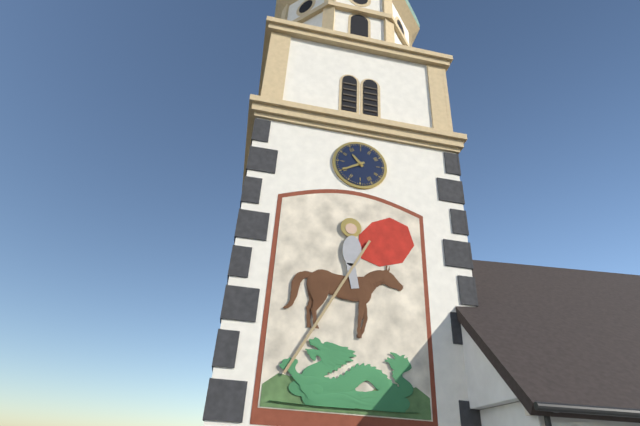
**10:40**
